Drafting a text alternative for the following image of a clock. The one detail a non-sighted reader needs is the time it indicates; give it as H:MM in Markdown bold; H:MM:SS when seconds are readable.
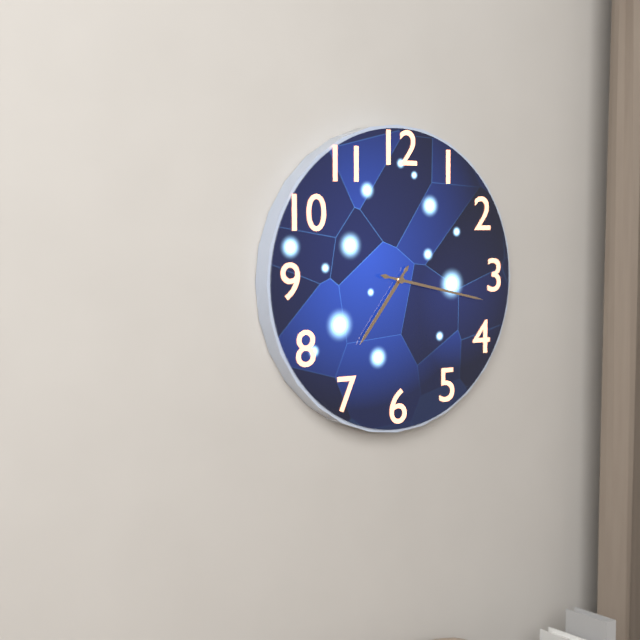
**7:17**
